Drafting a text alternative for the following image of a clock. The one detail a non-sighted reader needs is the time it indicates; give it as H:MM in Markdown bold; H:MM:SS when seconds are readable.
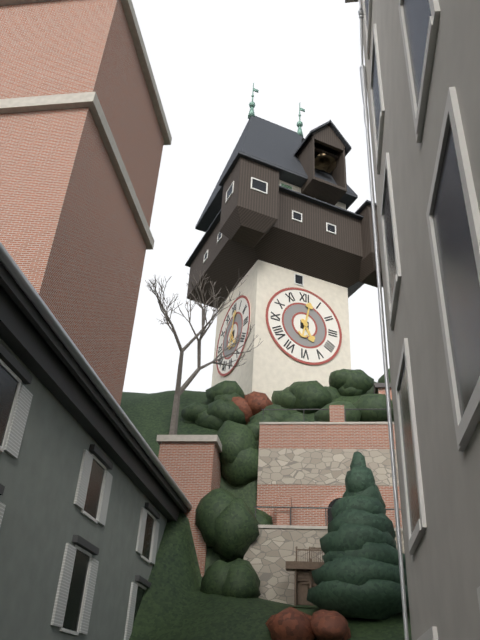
**5:02**
